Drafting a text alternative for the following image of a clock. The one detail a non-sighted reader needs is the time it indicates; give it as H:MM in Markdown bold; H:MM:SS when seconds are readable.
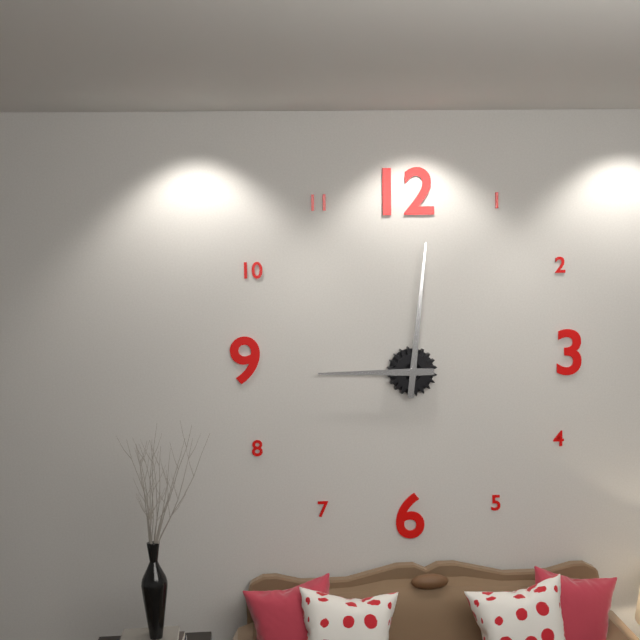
**9:01**
